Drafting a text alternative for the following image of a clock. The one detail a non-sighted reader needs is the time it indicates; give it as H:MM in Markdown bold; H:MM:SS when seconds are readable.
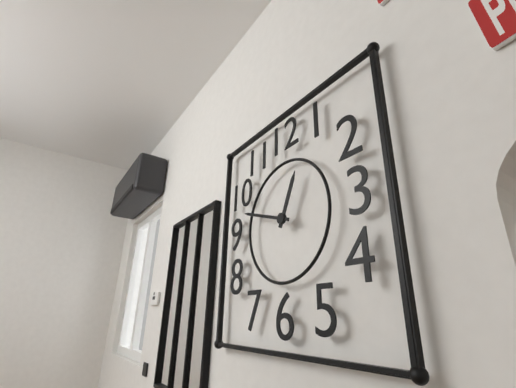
**12:48**
